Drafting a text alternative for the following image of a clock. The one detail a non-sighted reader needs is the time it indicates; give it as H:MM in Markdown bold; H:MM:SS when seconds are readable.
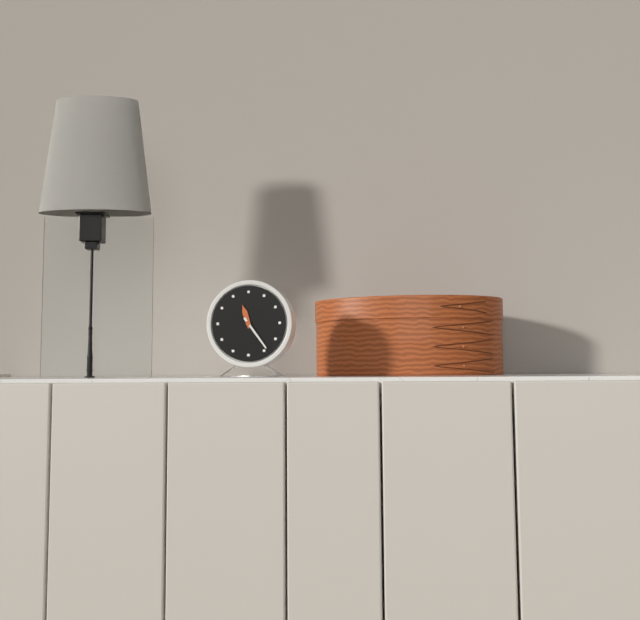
**11:24**
